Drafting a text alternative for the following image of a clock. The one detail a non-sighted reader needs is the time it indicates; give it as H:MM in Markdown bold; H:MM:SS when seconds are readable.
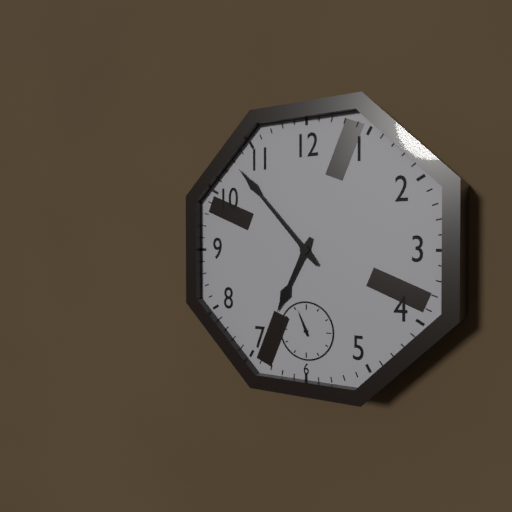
**6:53**
